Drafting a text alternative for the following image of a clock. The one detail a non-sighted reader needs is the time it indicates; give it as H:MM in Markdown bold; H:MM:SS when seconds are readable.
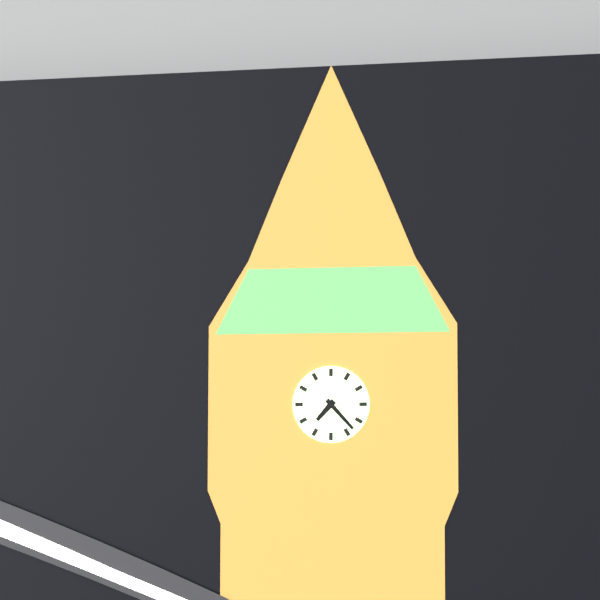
**7:23**
